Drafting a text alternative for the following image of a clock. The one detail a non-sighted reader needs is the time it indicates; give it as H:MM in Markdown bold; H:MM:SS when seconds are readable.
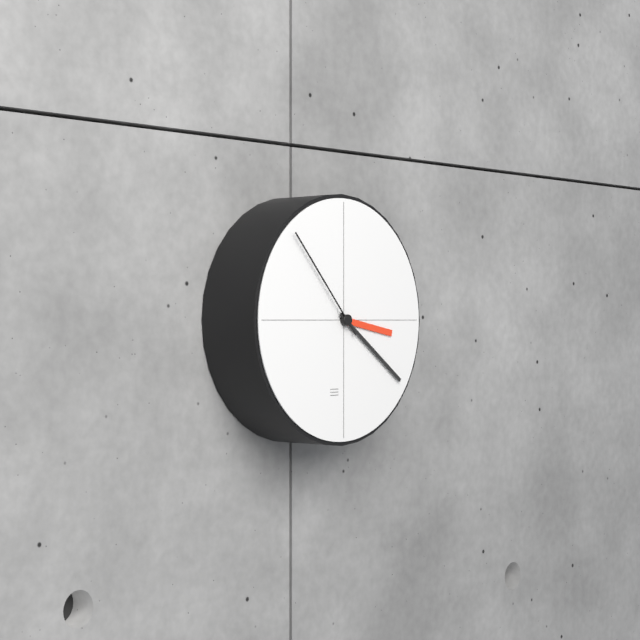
**3:21:53**
